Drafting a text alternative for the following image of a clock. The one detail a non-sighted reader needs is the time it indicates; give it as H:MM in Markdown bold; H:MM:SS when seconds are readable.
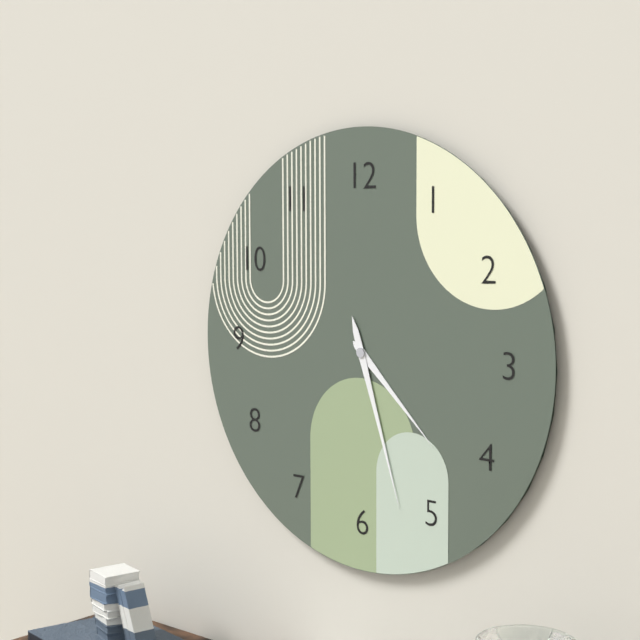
**4:27**
